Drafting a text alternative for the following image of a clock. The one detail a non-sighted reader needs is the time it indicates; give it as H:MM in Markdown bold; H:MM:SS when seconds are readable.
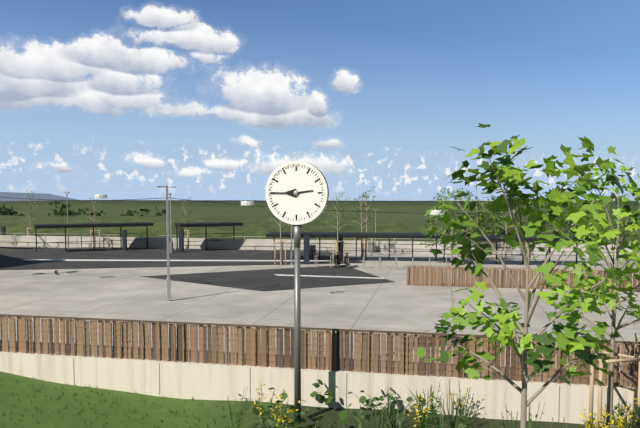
**2:45**
